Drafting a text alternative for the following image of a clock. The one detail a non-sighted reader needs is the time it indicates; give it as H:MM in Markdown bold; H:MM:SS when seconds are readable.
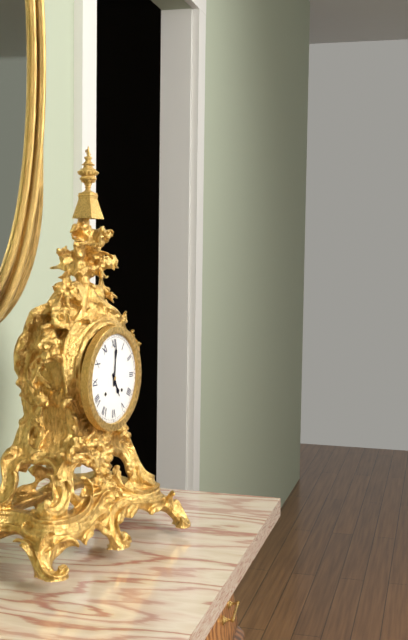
**5:01**
